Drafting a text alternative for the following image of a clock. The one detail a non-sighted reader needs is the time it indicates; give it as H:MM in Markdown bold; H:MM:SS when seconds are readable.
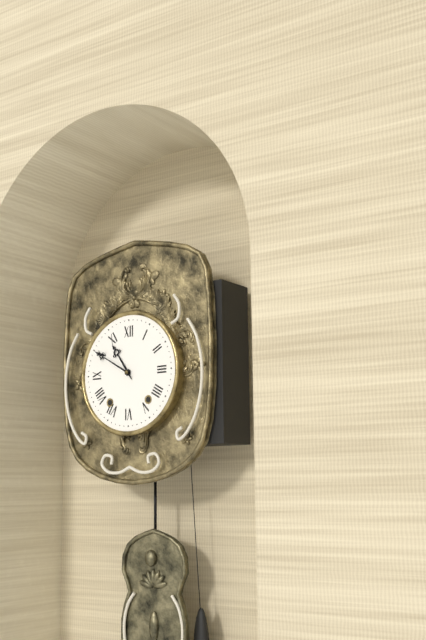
**10:50**
